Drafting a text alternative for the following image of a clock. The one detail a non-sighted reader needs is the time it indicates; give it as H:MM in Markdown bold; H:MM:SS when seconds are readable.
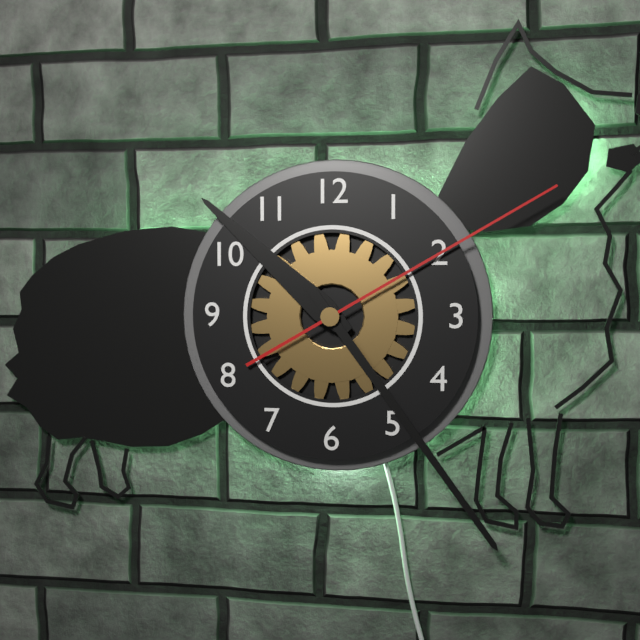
**10:24:10**
